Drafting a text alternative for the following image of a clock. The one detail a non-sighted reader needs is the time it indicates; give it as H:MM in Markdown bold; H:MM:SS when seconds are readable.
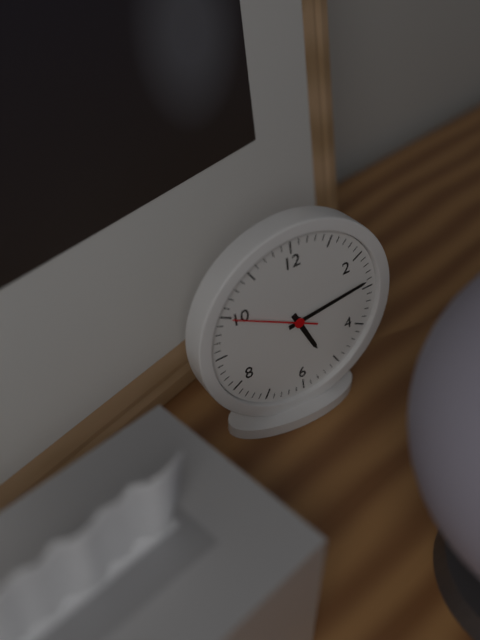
**5:14:50**
